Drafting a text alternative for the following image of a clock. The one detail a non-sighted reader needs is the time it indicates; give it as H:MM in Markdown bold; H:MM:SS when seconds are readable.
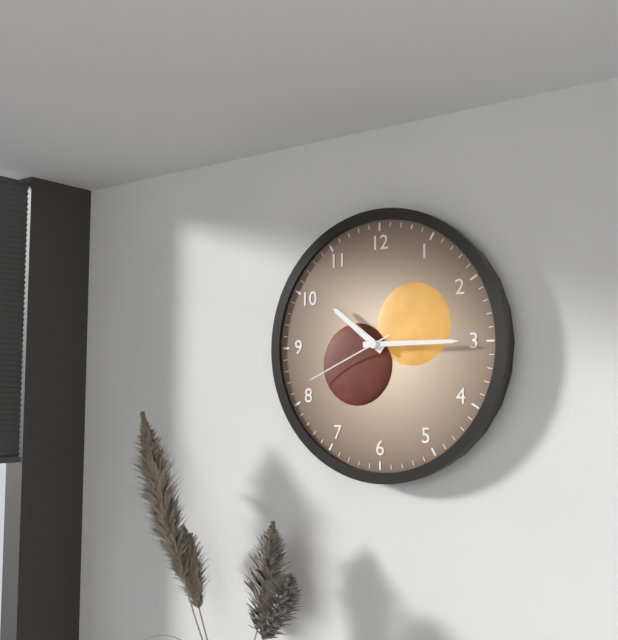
**10:15:41**
